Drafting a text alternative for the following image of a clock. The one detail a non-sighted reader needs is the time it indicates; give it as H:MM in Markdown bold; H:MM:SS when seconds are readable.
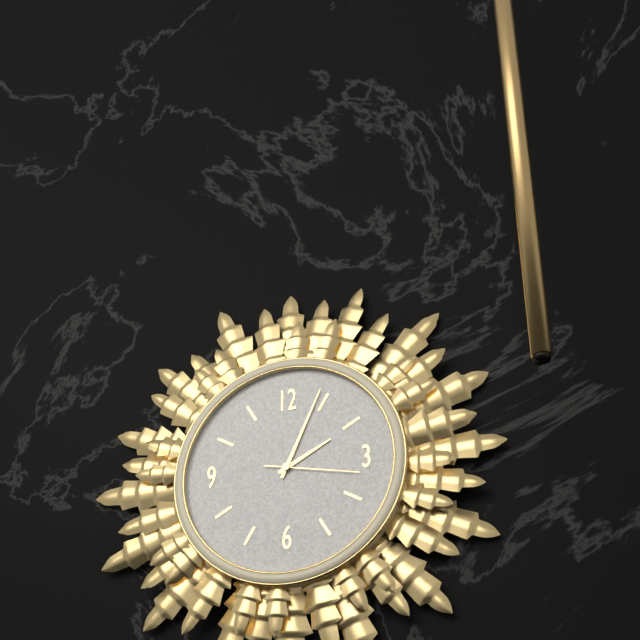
**2:04:17**
